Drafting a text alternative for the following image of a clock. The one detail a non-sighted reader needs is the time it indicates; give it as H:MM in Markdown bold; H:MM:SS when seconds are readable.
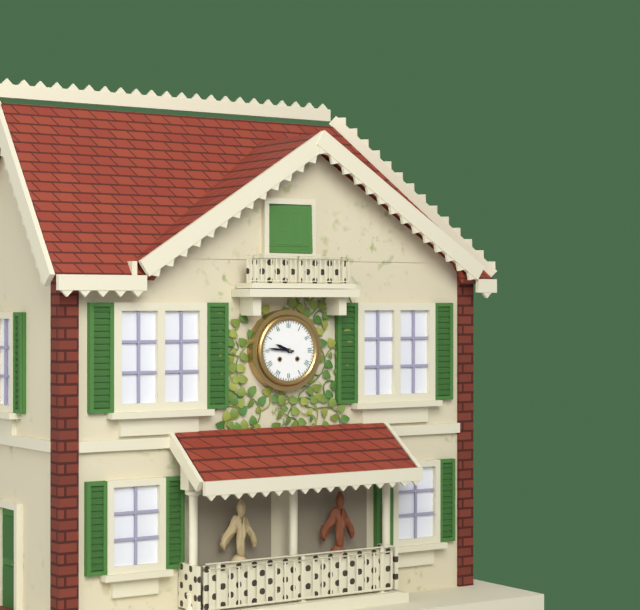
**9:46**
